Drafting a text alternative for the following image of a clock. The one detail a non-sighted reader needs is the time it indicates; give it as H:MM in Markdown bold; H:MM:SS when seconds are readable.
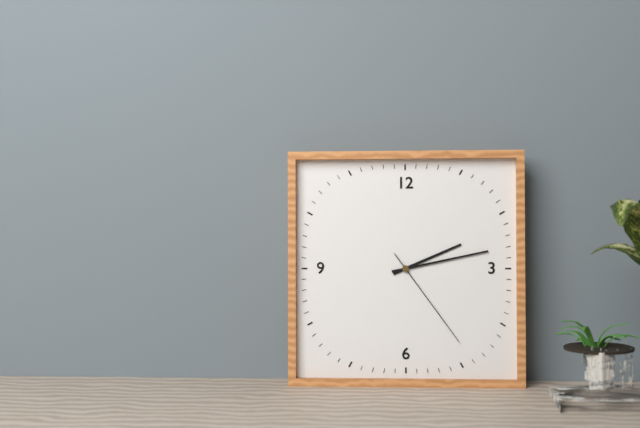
**2:13:24**
